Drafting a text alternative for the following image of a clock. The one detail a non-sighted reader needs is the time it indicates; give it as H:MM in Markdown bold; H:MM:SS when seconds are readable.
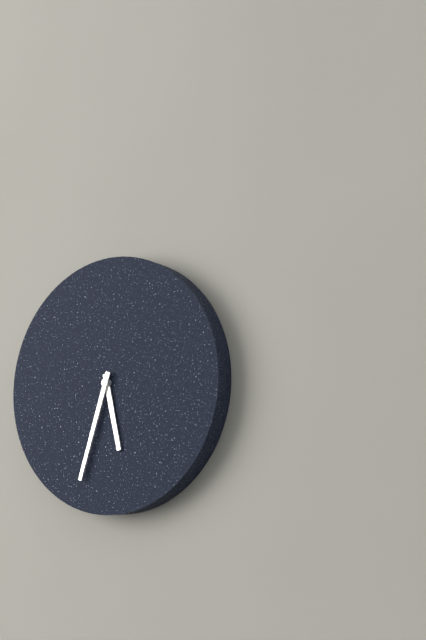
**5:33**
